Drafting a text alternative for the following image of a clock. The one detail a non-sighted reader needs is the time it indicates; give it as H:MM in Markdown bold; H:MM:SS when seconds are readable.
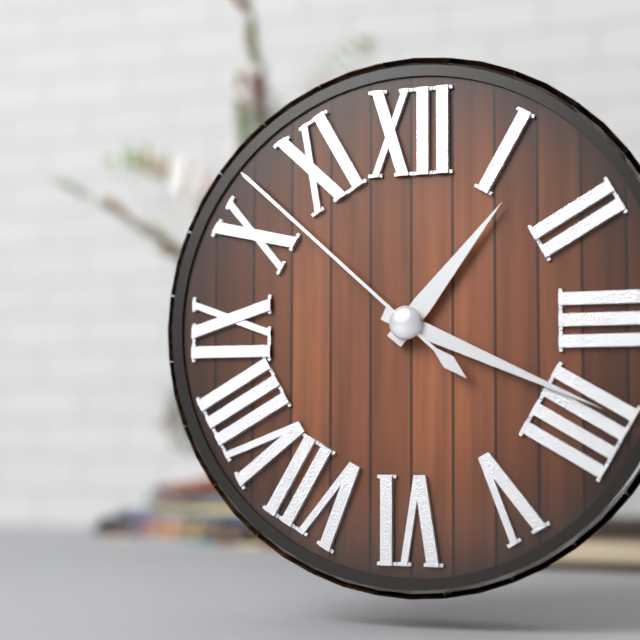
**1:19:52**
